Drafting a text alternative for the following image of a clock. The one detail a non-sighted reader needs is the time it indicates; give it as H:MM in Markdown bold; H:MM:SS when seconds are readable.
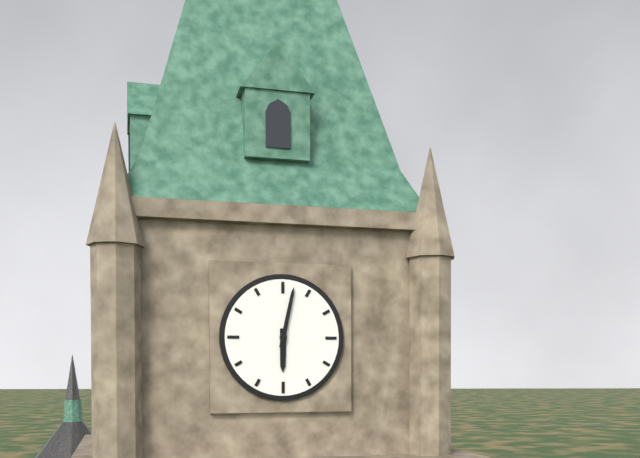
**6:02**
